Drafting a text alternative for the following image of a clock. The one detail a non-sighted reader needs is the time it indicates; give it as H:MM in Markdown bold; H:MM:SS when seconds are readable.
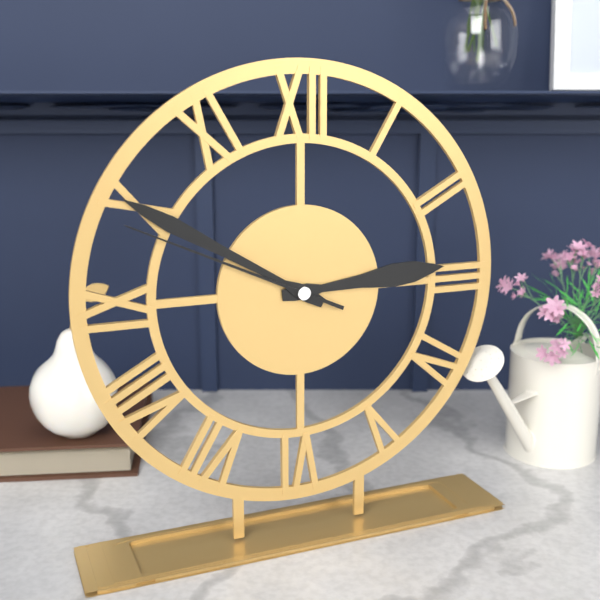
**2:50:49**
